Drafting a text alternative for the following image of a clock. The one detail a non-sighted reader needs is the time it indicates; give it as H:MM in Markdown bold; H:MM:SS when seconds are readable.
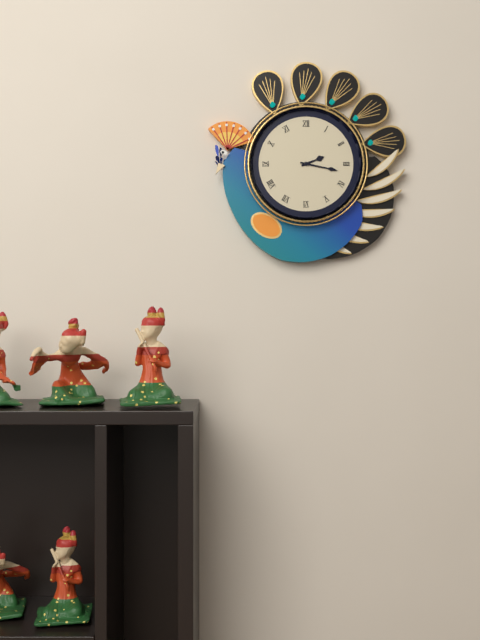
**2:17**
